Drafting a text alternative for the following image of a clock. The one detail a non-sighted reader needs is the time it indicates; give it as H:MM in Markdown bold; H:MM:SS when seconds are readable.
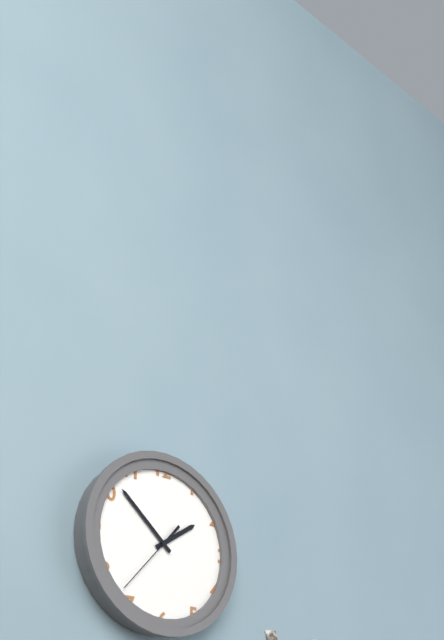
**1:52:37**
